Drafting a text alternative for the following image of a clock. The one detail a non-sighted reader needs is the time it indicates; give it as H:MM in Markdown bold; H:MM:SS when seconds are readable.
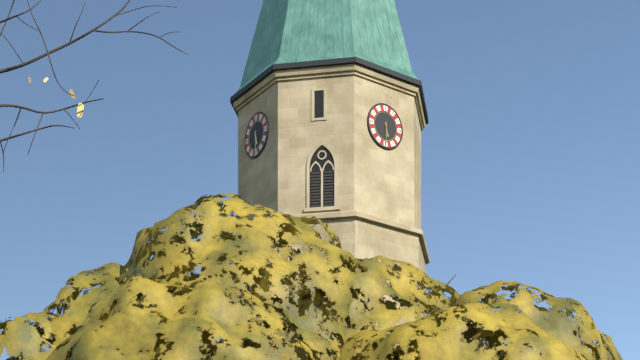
**5:30**
